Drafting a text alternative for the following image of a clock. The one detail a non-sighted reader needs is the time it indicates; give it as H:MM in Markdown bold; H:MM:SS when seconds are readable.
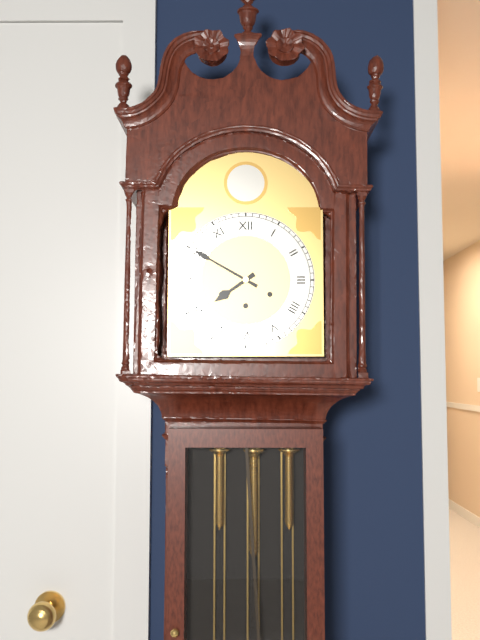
**7:50**
